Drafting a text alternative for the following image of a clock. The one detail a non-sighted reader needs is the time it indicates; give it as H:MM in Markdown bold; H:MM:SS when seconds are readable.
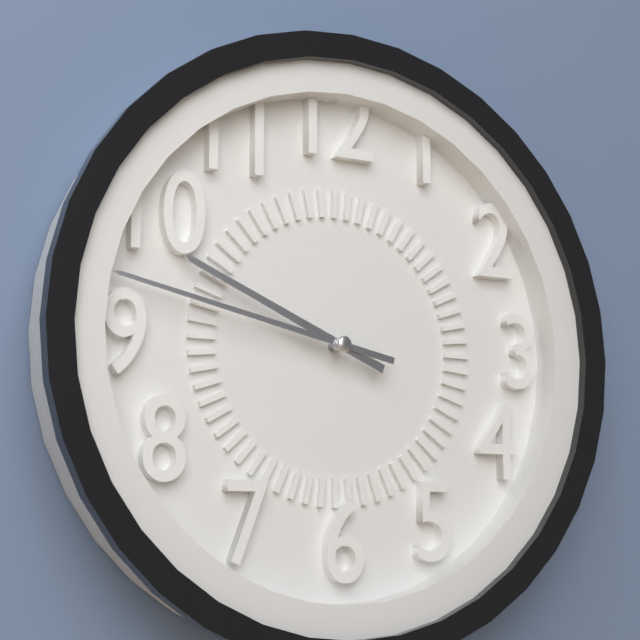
**9:47**
